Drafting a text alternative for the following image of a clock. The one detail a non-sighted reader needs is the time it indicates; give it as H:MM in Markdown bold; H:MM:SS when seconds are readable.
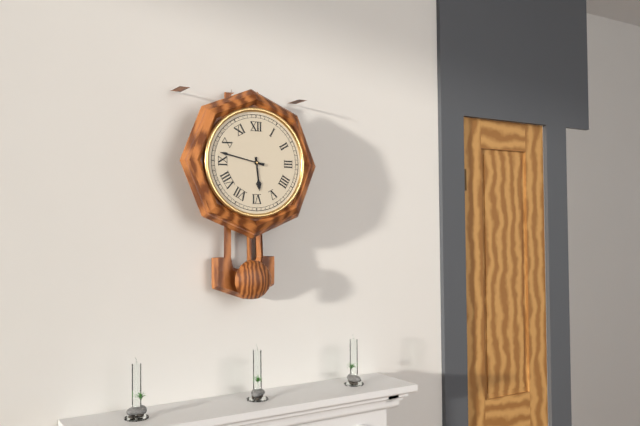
**5:47**
